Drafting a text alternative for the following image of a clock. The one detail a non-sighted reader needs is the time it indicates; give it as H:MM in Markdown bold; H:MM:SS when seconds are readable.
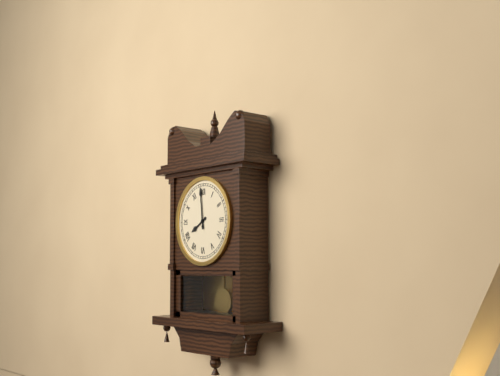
**7:59**
